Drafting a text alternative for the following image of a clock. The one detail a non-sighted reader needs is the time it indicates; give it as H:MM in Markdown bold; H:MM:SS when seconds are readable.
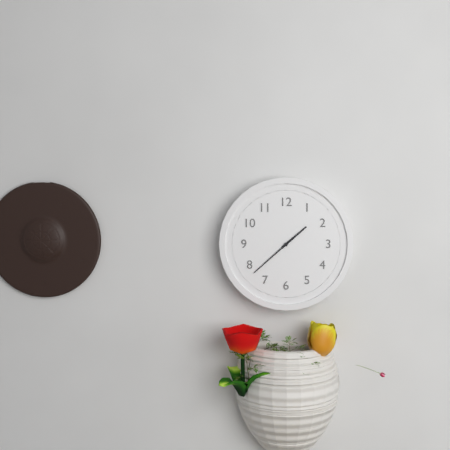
**1:38**
